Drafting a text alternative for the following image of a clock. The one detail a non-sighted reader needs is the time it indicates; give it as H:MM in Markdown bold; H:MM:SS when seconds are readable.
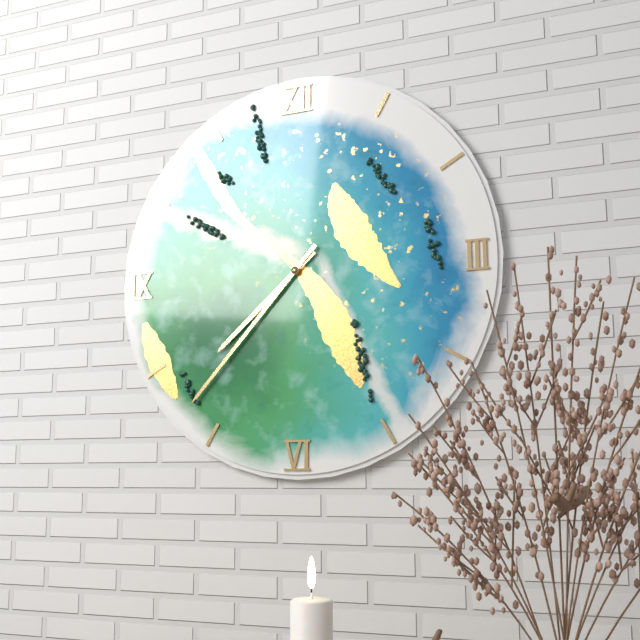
**7:37**
